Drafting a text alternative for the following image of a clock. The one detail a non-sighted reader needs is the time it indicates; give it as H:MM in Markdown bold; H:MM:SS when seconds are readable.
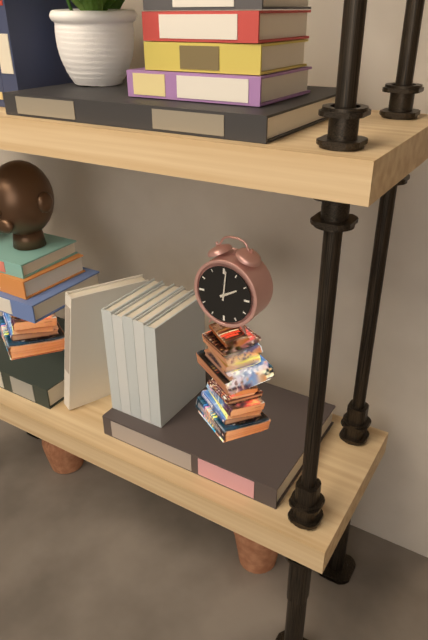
**2:01**
